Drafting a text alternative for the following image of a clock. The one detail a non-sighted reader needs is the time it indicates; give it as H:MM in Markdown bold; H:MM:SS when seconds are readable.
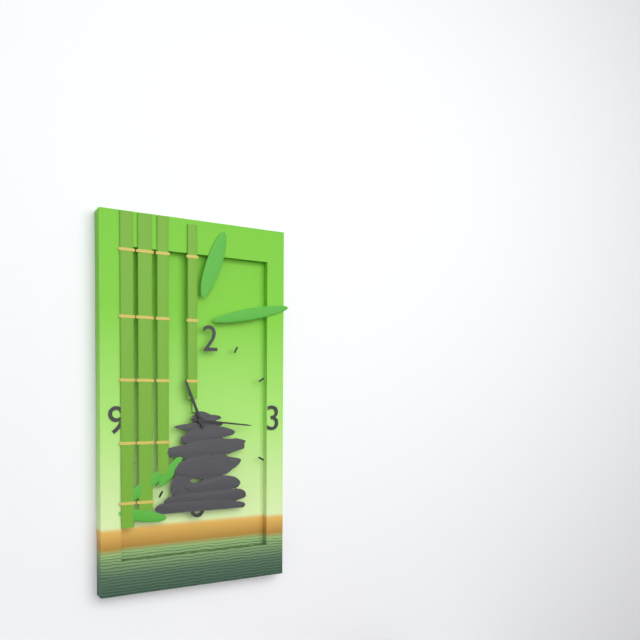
**11:16**
